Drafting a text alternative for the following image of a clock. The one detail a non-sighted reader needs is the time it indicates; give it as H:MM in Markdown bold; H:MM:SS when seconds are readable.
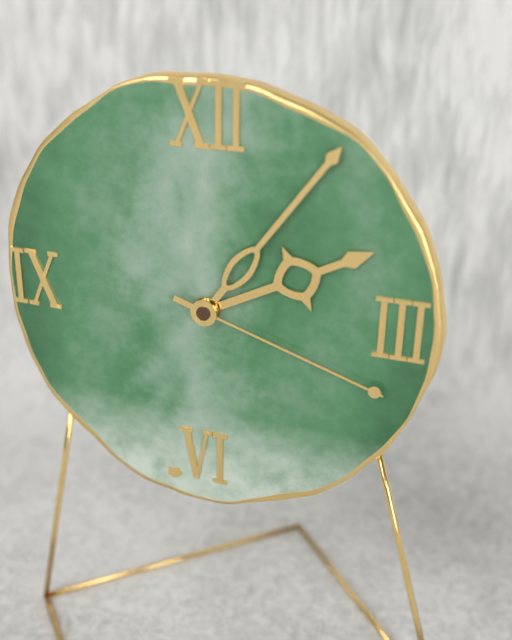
**2:06:18**
